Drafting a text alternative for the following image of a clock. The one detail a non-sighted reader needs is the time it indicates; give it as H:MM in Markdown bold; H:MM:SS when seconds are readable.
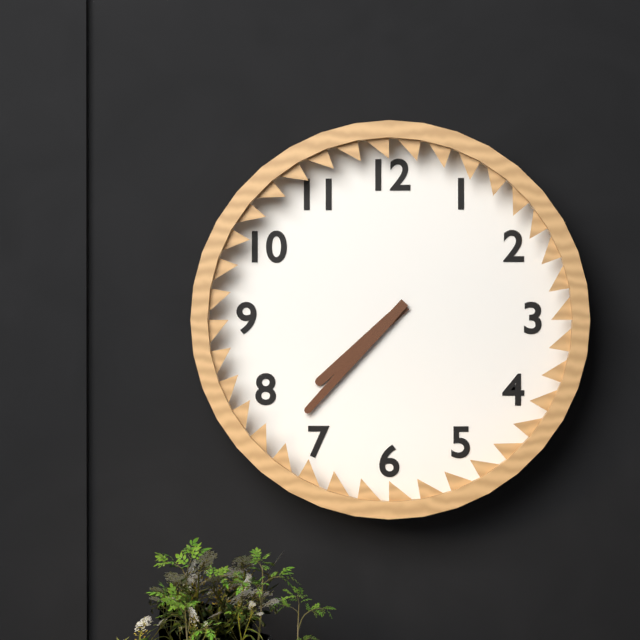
**7:37**
